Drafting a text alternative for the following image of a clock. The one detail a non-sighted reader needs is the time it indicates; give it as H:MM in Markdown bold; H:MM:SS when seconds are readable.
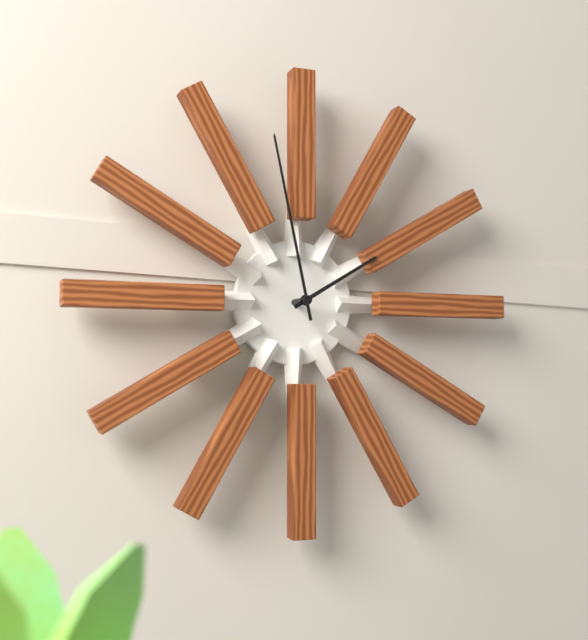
**1:58**
